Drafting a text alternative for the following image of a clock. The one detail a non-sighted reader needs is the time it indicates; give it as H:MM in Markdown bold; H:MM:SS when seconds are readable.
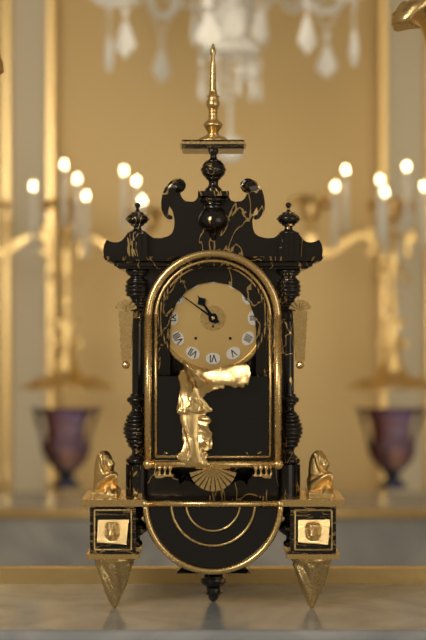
**10:51**
